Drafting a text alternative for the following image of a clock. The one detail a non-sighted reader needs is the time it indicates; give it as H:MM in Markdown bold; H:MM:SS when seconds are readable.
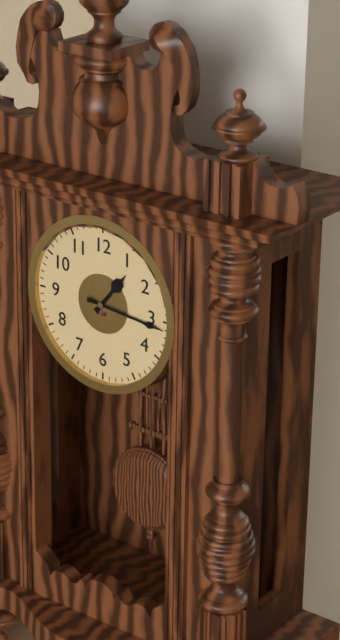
**1:16**
